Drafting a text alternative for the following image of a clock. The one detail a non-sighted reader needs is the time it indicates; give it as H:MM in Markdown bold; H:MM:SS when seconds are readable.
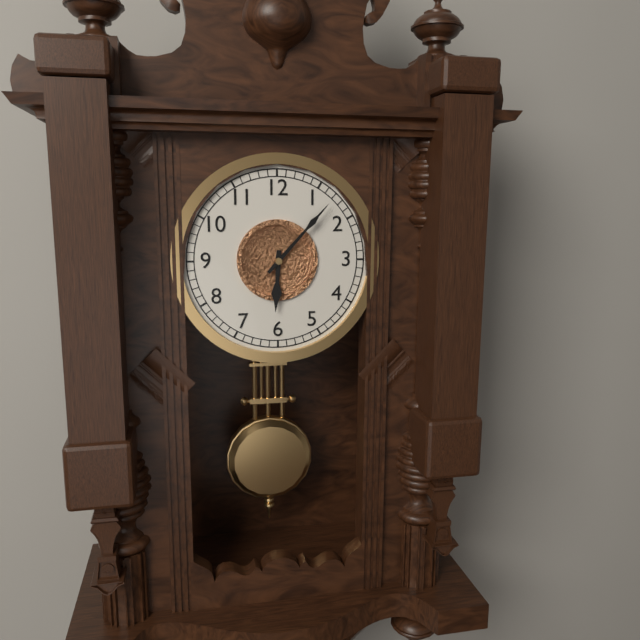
**6:07**
